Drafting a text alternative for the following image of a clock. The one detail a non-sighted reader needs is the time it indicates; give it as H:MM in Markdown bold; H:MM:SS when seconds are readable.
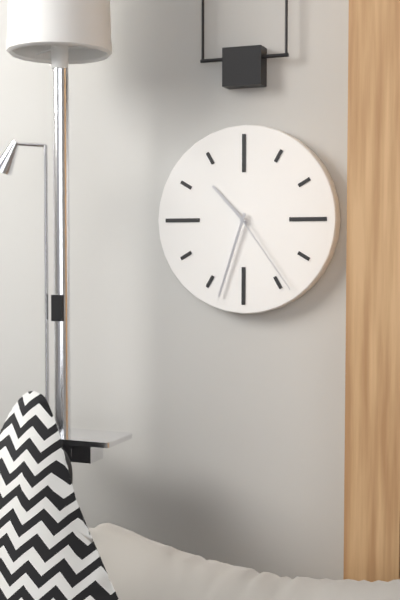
**10:33:24**
